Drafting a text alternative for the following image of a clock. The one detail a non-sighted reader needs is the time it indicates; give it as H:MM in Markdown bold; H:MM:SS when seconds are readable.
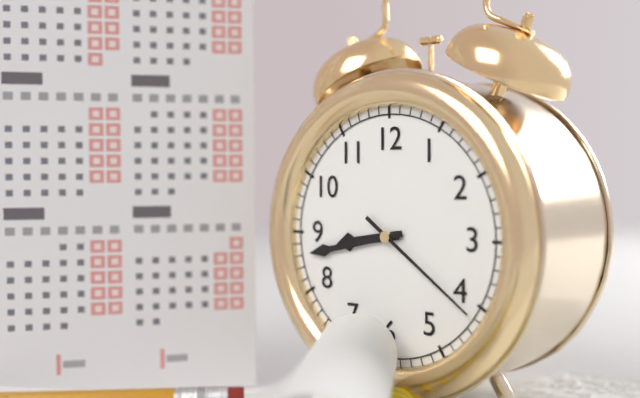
**8:43:21**
